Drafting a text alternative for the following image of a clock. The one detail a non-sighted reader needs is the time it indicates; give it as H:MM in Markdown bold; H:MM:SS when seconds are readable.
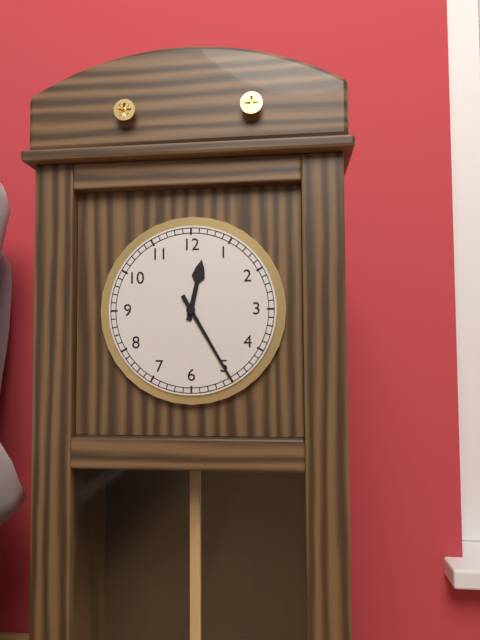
**12:25**
